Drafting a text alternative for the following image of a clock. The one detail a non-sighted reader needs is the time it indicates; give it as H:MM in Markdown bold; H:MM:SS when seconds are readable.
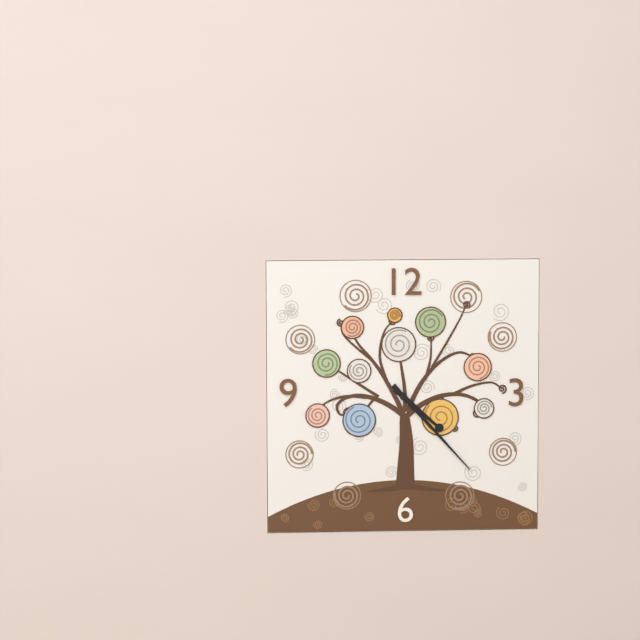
**4:23**
